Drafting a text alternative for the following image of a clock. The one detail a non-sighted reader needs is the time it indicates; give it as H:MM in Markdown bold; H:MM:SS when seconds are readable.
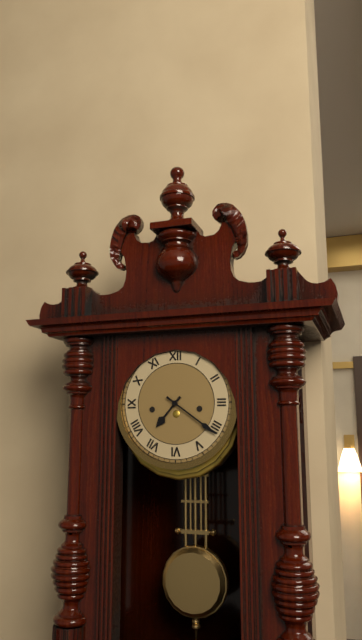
**7:21**
